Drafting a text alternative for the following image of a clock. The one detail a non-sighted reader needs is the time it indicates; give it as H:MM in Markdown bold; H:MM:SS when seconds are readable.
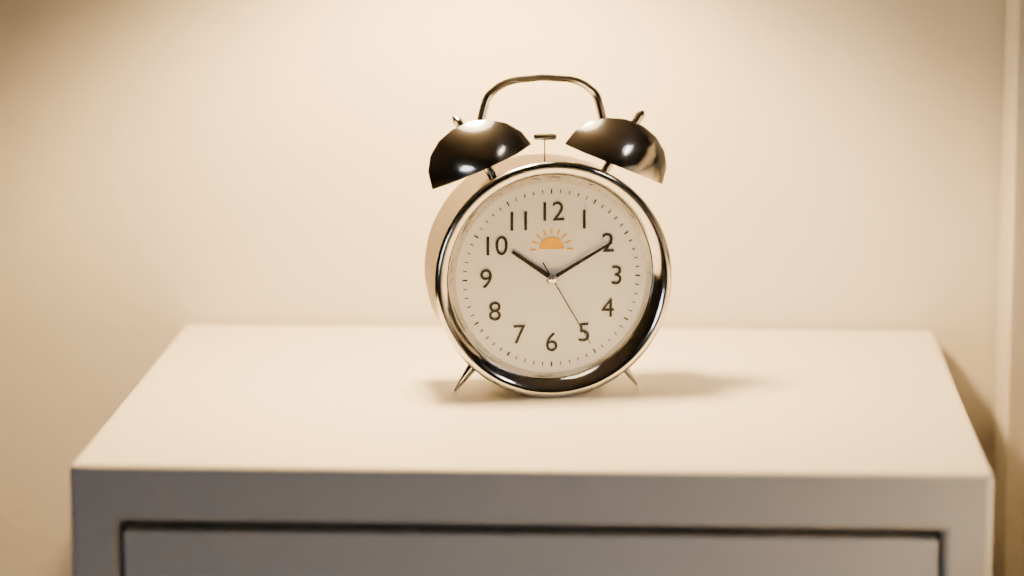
**10:10:25**
